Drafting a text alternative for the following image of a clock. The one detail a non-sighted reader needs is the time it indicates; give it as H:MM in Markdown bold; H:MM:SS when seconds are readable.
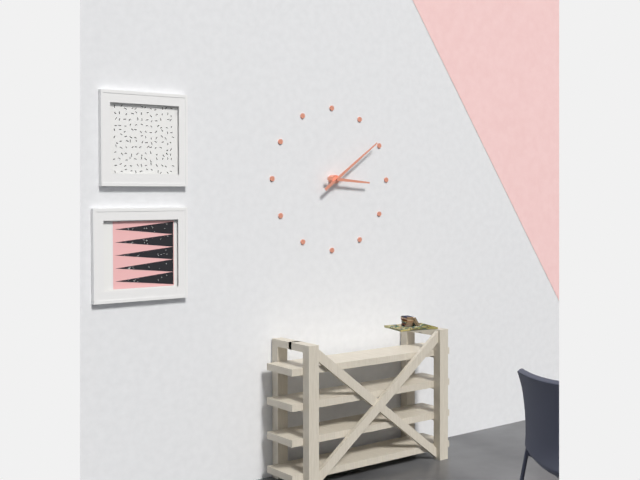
**3:09**
